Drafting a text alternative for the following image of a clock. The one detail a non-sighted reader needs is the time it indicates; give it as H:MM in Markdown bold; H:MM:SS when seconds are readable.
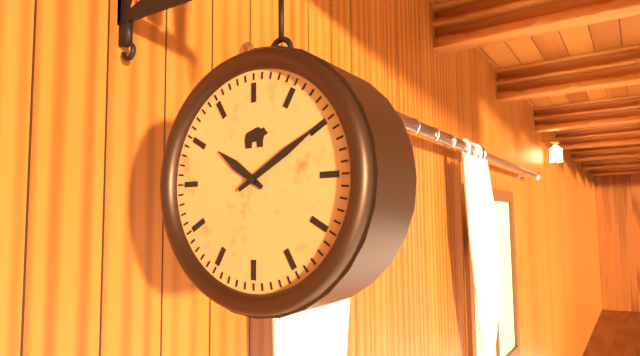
**10:10**
